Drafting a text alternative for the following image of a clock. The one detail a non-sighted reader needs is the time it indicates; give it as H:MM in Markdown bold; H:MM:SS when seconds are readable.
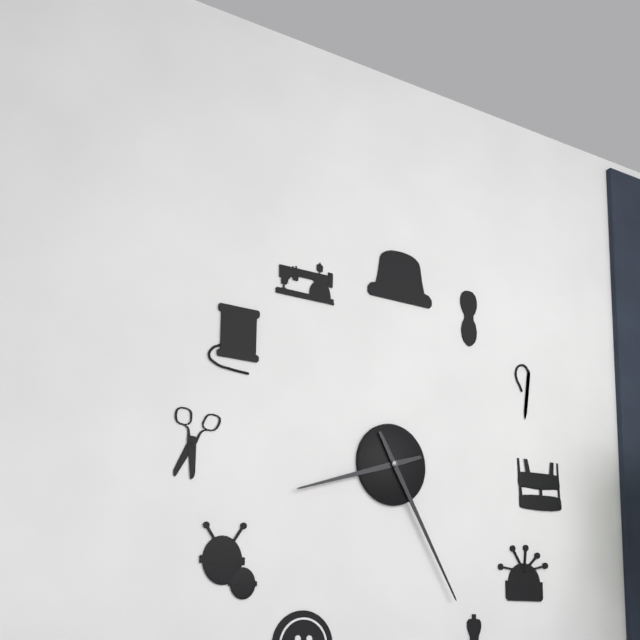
**8:25**
